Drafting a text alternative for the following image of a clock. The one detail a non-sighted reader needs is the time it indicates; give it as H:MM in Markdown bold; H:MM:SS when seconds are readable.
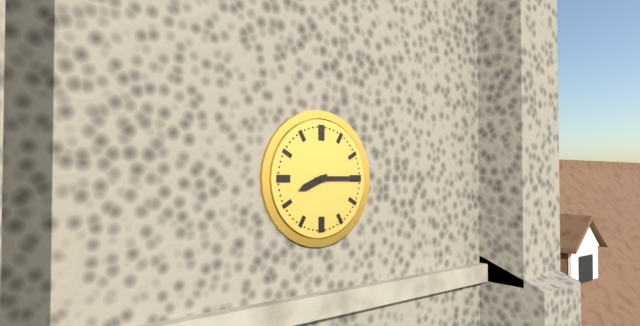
**8:15**
